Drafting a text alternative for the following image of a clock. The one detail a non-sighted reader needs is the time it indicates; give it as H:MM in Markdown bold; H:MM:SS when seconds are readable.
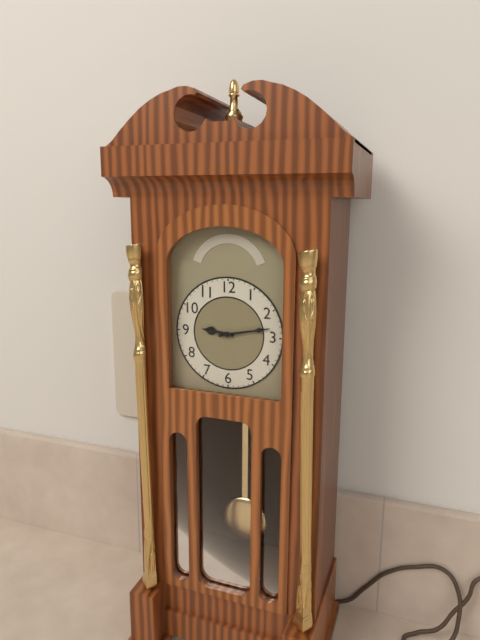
**9:13**
